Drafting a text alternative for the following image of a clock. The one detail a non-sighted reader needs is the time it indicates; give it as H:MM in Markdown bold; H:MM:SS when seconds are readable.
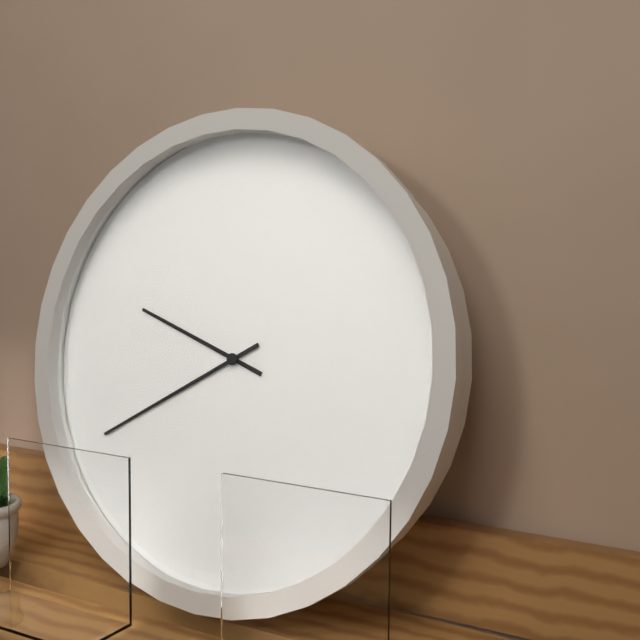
**9:40**
